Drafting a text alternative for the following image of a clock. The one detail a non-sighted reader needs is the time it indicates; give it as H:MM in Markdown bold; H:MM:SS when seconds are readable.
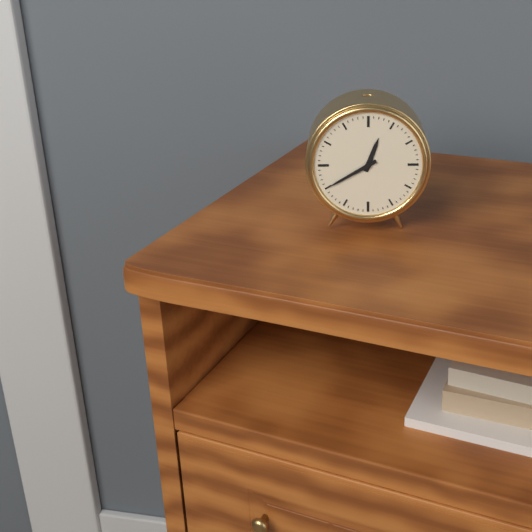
**12:40**
